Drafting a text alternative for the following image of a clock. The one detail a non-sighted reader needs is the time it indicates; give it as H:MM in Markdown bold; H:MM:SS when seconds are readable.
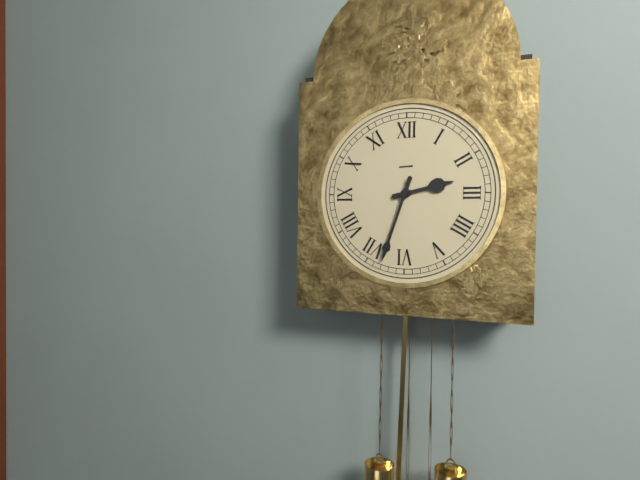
**2:33**
